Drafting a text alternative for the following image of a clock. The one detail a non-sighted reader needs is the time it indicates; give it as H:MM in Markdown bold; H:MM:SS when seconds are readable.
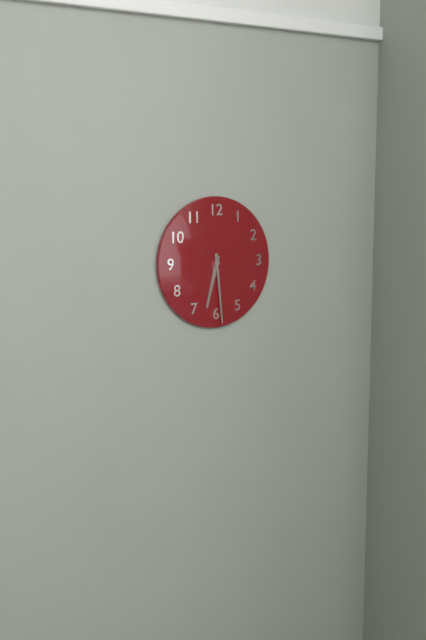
**6:29**
